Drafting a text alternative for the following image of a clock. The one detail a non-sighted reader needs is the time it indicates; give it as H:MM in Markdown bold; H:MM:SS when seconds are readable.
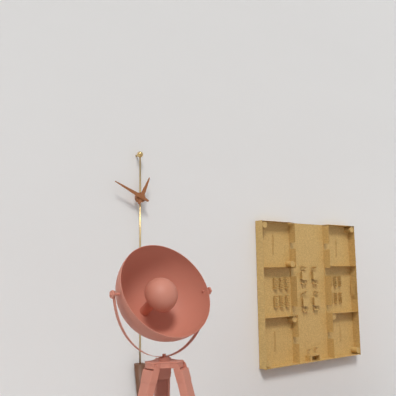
**12:49**
